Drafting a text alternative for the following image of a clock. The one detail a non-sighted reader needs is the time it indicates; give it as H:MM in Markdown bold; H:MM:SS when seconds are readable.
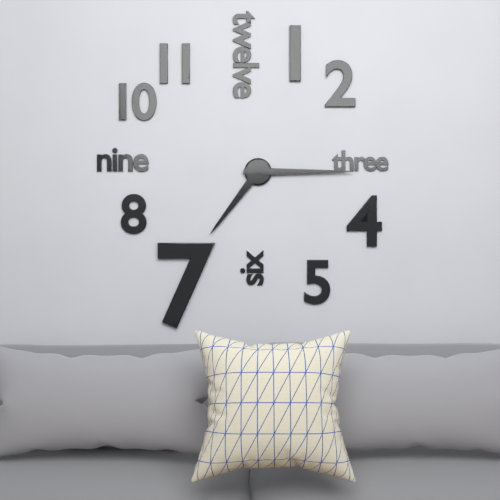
**7:15**
